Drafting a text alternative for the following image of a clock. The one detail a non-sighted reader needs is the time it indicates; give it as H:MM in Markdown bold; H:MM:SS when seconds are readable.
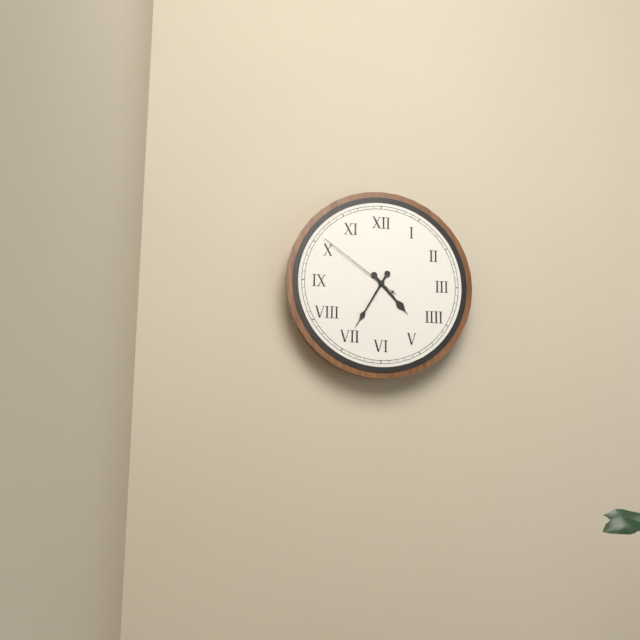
**4:35:51**
